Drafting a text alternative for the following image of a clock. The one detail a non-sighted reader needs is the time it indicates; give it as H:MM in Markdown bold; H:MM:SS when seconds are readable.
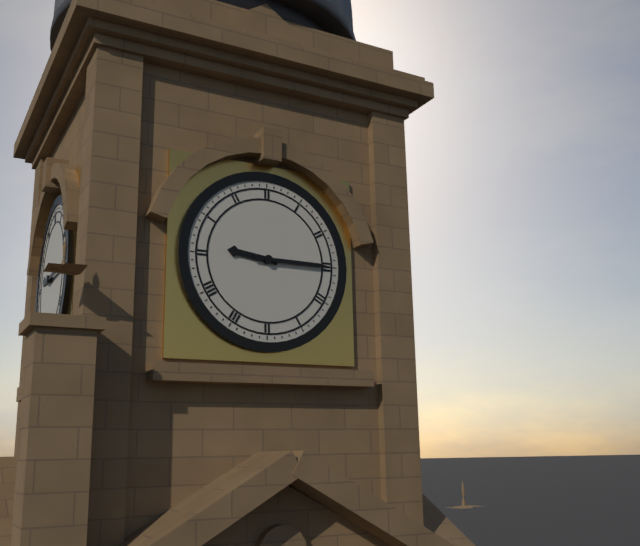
**9:15**
